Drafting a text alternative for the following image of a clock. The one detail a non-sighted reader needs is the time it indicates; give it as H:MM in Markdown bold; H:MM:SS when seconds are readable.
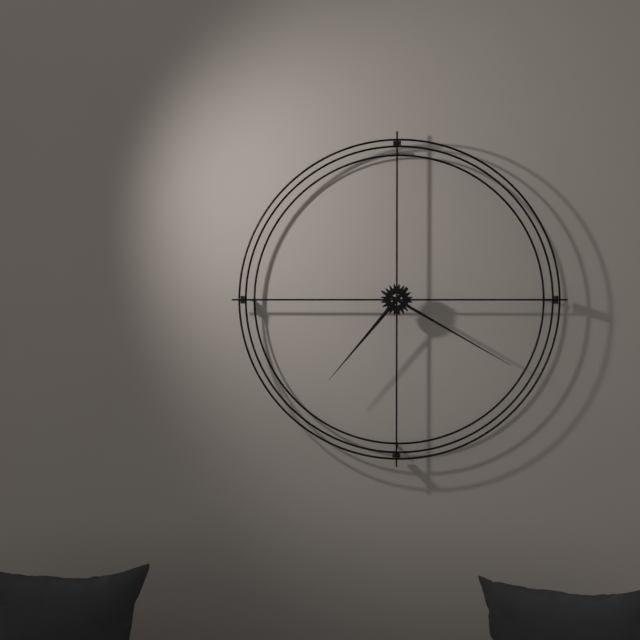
**7:20**
